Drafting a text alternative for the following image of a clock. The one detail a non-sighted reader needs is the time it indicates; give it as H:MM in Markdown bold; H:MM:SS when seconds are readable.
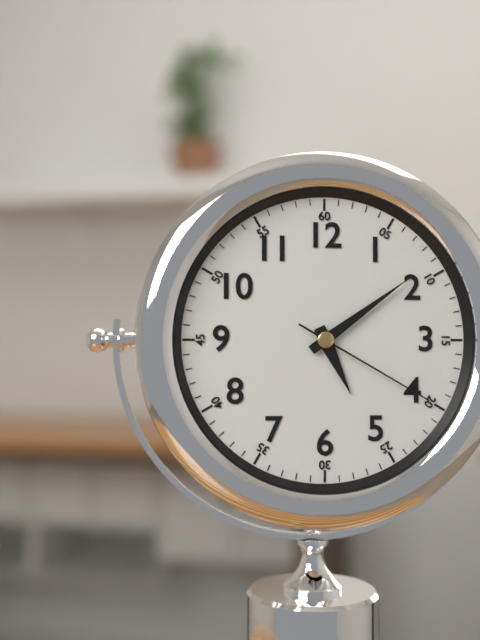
**5:09:20**
